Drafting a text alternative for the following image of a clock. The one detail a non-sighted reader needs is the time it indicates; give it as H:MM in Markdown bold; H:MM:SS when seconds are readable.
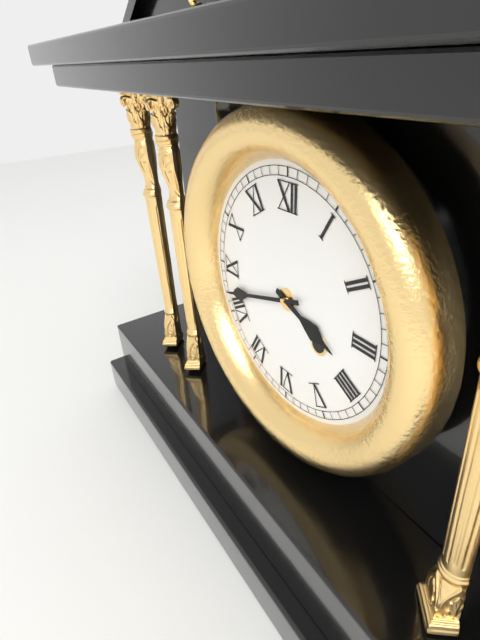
**3:42**
